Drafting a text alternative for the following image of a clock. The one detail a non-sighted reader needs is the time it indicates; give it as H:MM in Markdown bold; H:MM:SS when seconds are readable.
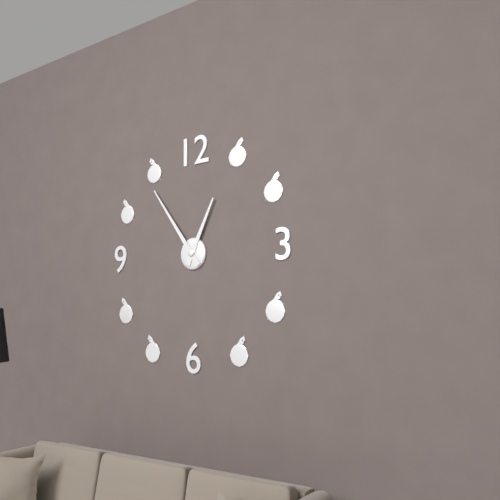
**12:54**
